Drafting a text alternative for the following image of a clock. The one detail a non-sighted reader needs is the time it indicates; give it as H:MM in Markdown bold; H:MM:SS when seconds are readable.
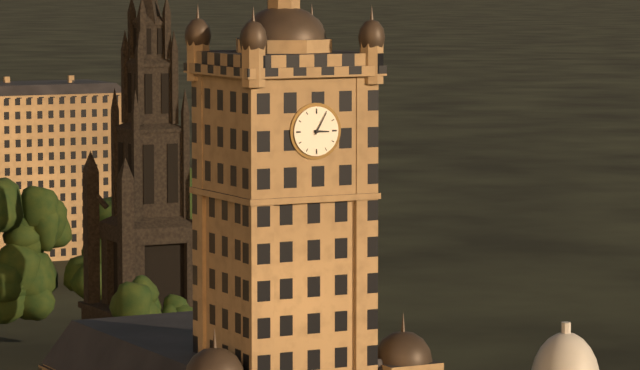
**3:05**
